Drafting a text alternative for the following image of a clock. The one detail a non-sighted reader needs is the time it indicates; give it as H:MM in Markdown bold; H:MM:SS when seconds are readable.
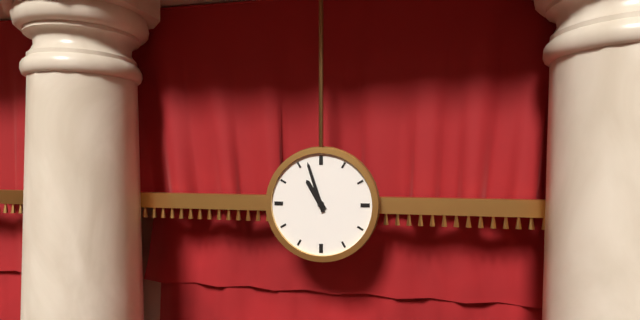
**10:57**
